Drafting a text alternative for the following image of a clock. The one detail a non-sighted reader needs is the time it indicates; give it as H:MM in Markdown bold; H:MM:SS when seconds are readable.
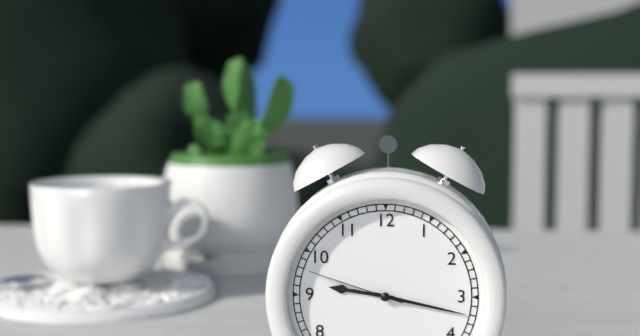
**9:17:48**
